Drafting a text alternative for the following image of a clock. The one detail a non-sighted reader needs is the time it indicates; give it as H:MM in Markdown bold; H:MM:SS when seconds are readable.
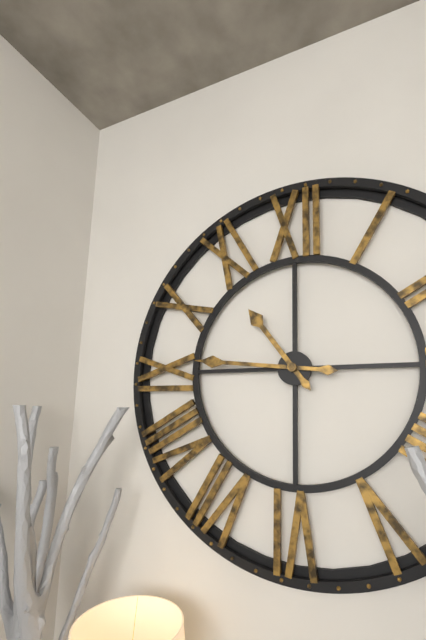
**10:46**
